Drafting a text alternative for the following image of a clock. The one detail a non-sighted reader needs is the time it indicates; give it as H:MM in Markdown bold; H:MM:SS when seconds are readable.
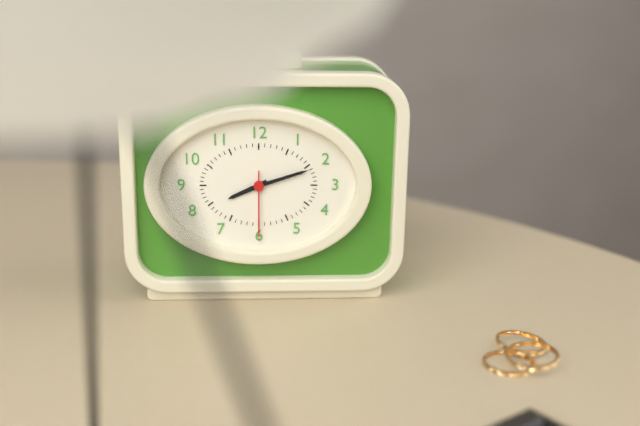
**8:12:30**
